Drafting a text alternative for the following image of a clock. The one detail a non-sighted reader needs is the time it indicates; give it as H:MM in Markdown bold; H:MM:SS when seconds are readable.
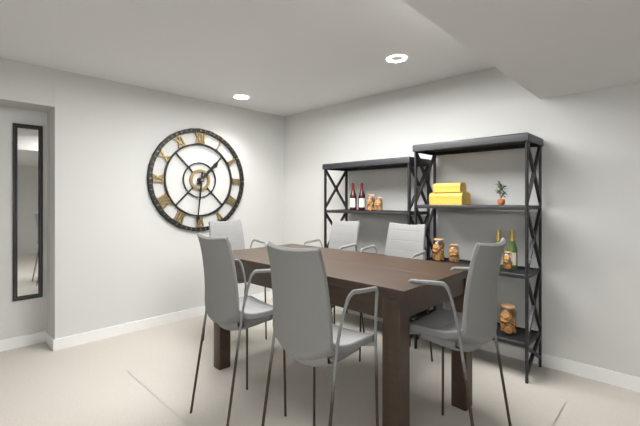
**1:31**
